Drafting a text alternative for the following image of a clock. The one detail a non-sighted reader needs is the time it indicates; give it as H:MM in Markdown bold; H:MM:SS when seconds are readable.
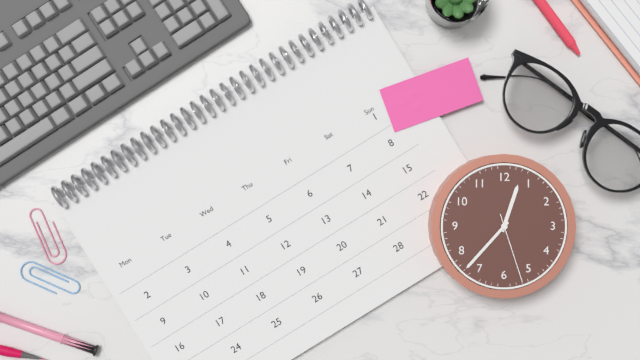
**12:37:27**
